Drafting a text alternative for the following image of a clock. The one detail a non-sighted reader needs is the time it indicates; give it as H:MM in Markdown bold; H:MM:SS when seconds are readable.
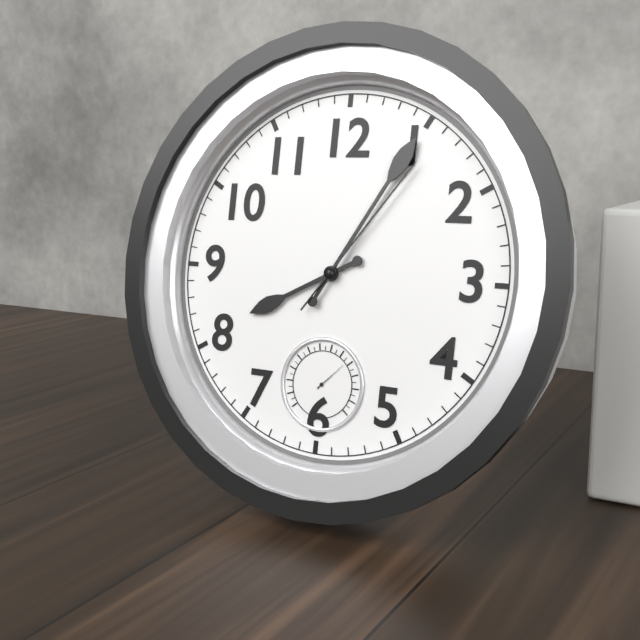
**8:05:06**
